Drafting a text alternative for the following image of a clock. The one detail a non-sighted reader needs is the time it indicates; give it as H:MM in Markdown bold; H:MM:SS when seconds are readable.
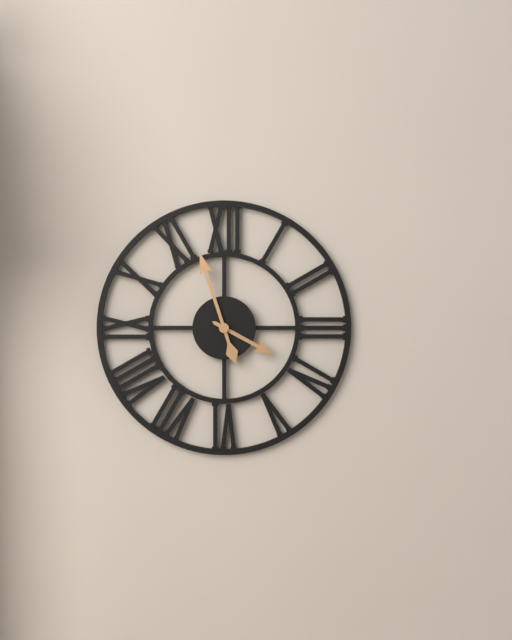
**3:57**
